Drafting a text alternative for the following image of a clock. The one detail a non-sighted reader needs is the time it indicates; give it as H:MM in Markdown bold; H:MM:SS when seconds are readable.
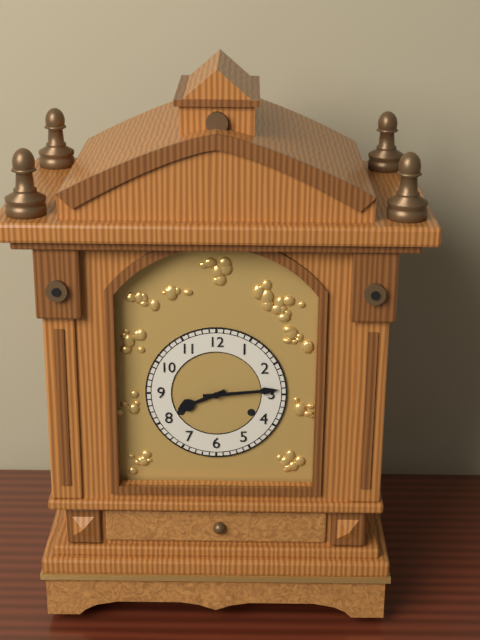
**8:14**
